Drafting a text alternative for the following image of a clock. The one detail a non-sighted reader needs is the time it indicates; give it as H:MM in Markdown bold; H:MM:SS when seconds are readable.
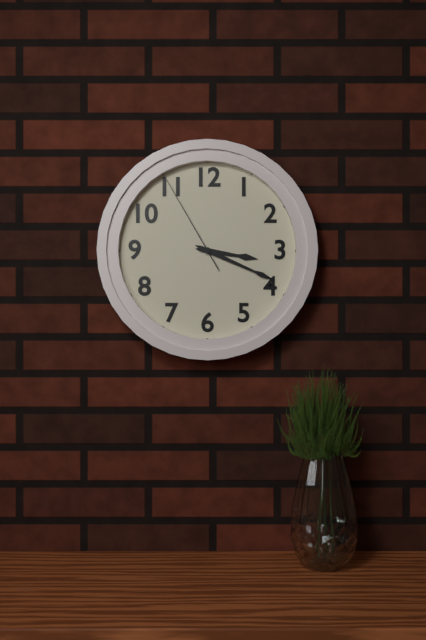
**3:19:55**
